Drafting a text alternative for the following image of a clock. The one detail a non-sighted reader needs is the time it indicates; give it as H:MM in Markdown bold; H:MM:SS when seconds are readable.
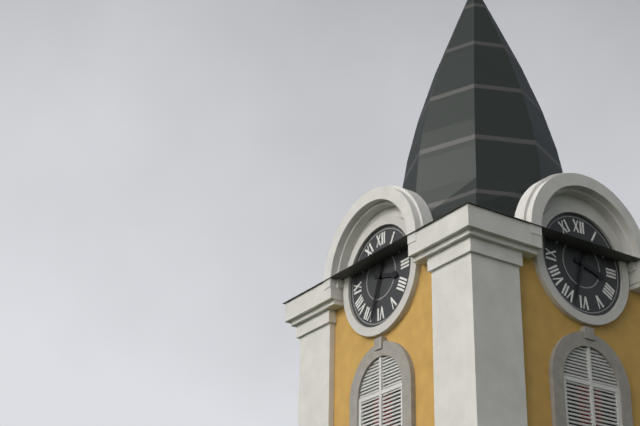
**3:33**
